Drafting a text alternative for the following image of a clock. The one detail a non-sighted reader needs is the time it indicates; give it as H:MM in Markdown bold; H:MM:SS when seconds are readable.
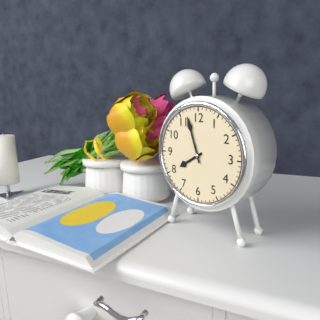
**7:57**
